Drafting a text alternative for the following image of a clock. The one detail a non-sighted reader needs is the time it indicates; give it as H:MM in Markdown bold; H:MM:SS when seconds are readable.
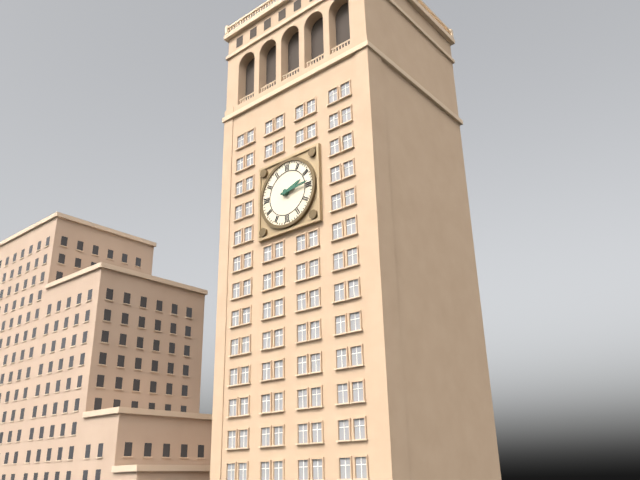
**2:14**
